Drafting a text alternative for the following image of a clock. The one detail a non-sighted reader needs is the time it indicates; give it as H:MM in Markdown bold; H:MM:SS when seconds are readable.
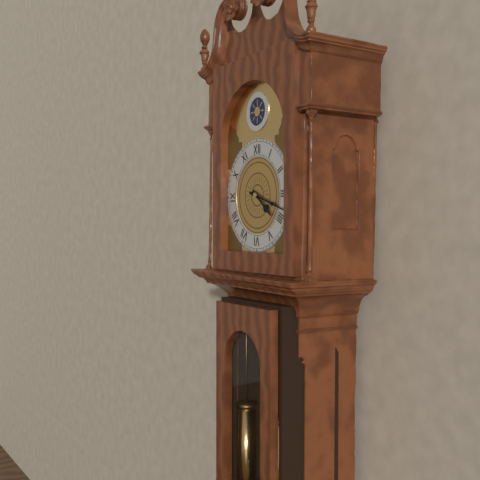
**4:18**
